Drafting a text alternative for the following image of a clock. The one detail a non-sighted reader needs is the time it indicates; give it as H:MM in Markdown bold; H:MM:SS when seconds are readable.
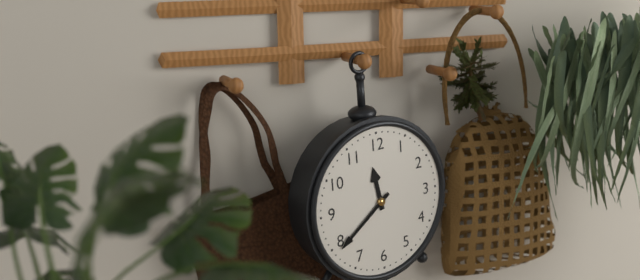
**11:39**
